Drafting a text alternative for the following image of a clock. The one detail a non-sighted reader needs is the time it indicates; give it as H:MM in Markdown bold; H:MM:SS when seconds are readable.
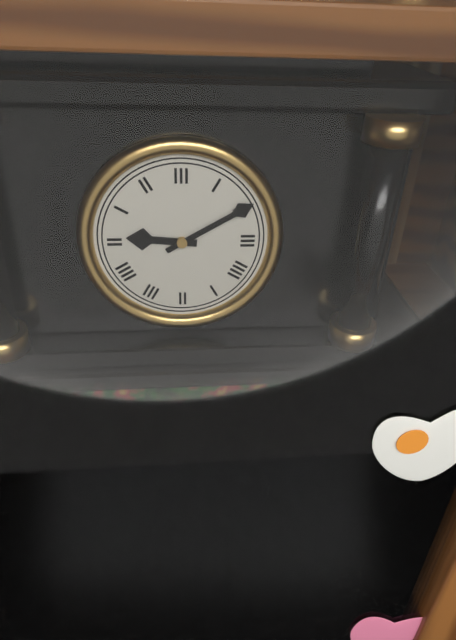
**9:10**
